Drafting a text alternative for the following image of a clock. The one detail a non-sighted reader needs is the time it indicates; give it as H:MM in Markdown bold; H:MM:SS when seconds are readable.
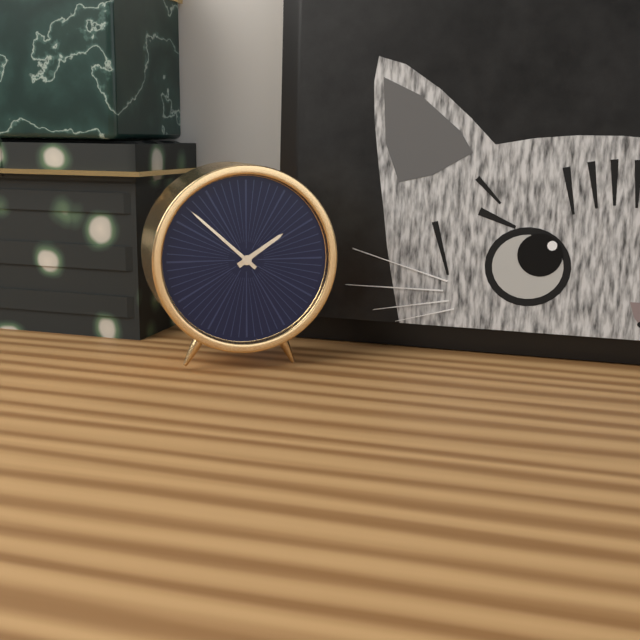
**1:52**
